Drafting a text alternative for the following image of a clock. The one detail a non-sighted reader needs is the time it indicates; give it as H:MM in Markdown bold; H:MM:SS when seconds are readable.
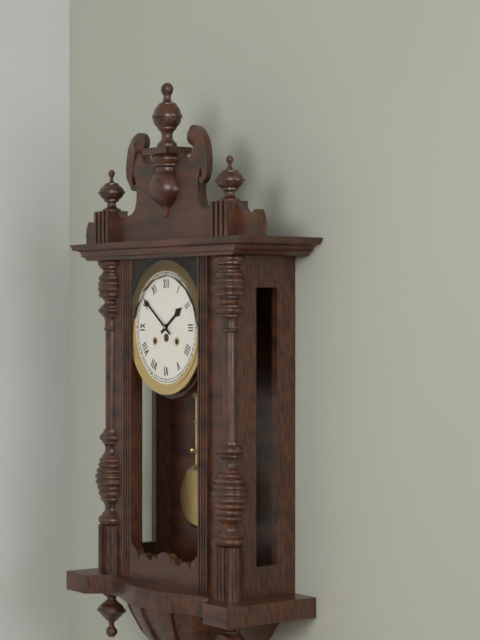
**1:51**
